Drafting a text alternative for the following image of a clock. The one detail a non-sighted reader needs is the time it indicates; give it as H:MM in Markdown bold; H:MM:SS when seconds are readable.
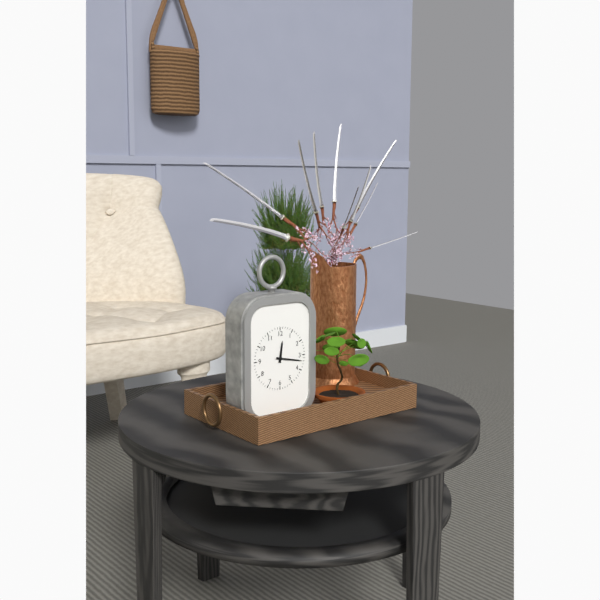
**12:17**
